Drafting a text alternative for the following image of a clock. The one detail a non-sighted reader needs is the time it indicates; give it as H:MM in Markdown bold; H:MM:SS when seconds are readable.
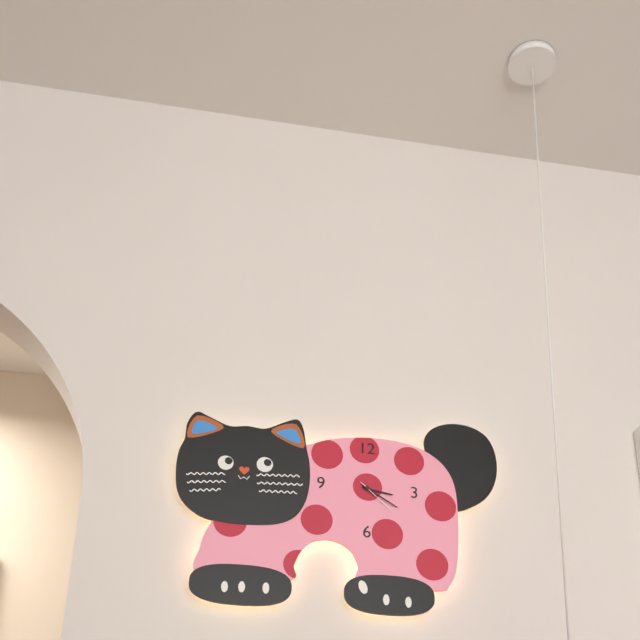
**3:20**
